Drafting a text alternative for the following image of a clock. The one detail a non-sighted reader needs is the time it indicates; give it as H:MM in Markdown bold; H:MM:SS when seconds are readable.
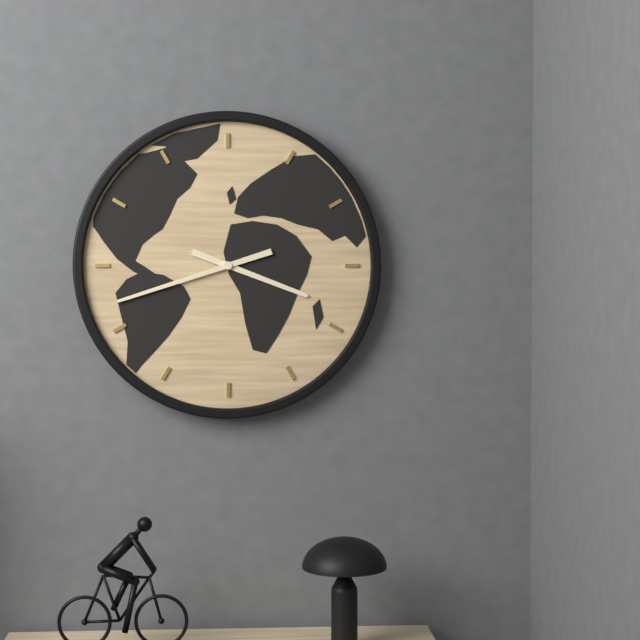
**3:42**
